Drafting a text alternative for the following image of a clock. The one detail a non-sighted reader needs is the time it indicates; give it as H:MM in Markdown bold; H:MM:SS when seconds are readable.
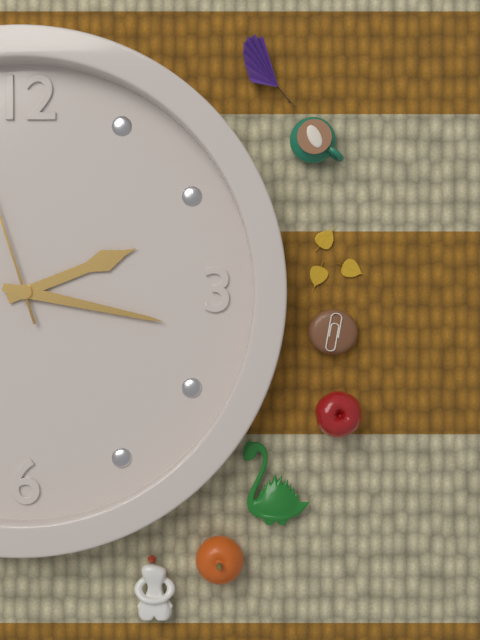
**2:17**
